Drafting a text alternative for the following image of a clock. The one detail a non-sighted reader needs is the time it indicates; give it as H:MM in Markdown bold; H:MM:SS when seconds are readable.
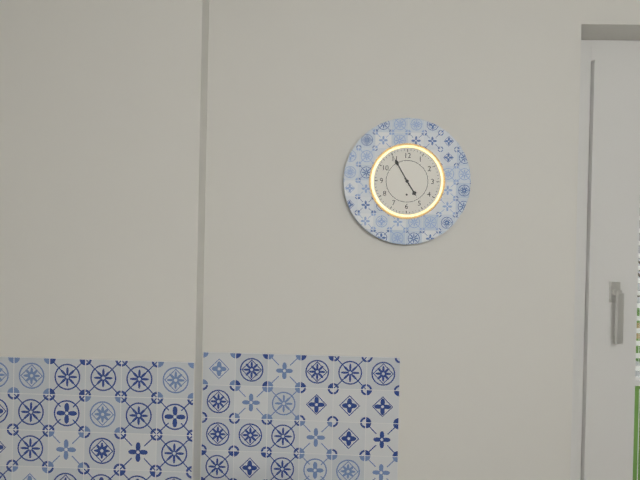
**4:55**
